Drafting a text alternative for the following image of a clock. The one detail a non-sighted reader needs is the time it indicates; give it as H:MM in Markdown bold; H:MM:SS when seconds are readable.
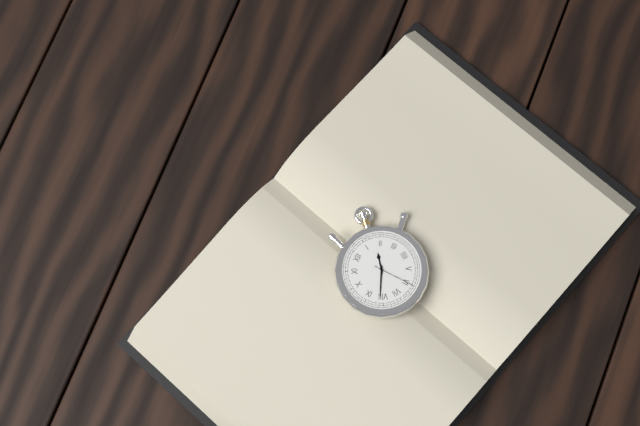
**1:41**
